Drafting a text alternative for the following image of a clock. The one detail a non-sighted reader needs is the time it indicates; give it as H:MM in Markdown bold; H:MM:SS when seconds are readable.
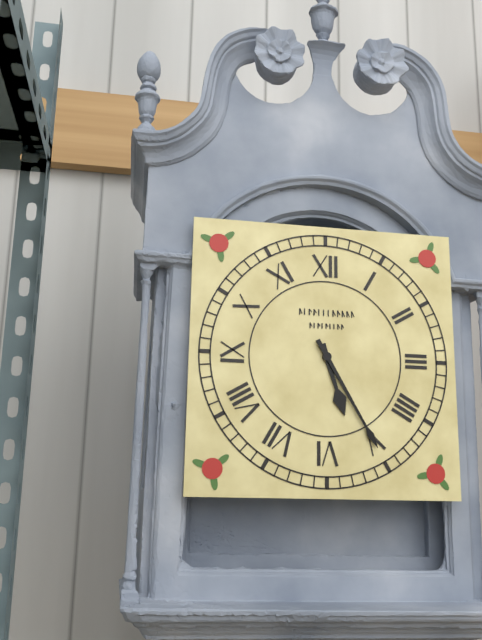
**5:25**
